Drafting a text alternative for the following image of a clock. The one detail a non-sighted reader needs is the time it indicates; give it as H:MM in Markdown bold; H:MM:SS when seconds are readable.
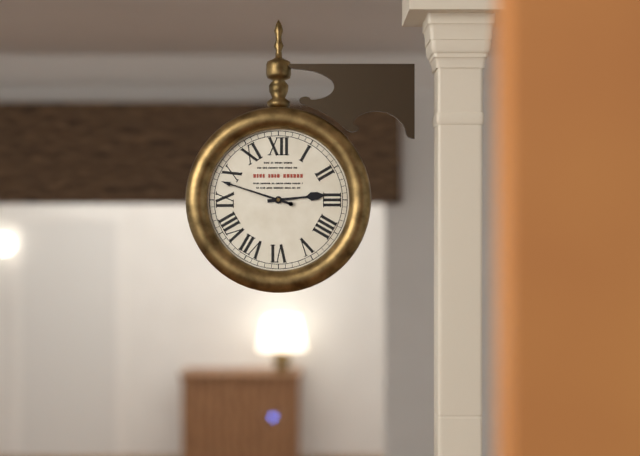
**2:48**
